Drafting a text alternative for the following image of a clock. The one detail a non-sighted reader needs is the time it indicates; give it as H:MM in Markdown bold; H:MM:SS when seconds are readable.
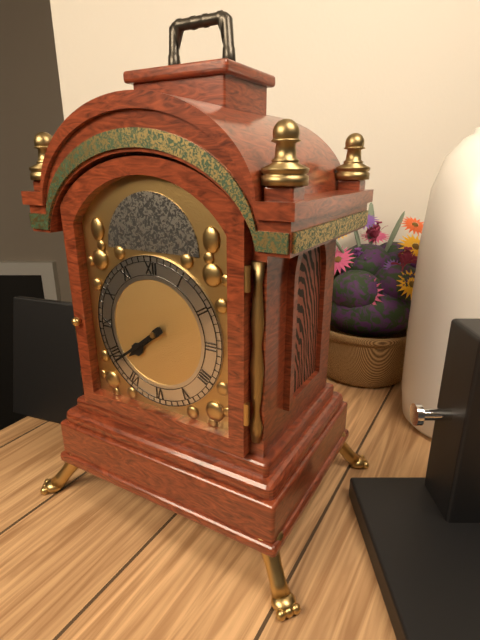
**7:39**
